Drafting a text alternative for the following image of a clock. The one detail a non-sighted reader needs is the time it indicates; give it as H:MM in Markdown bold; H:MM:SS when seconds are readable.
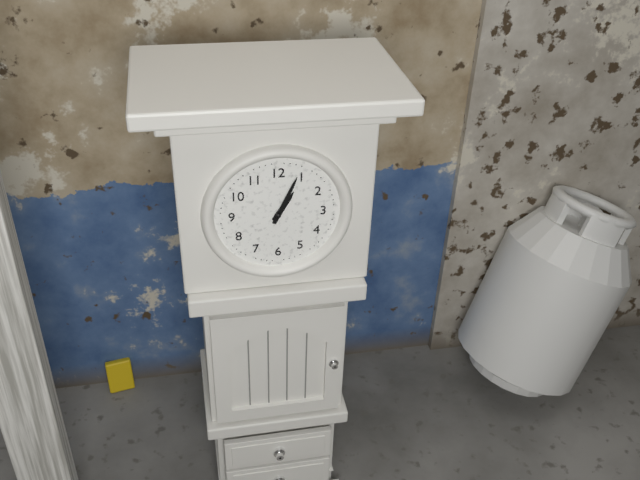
**1:04**
